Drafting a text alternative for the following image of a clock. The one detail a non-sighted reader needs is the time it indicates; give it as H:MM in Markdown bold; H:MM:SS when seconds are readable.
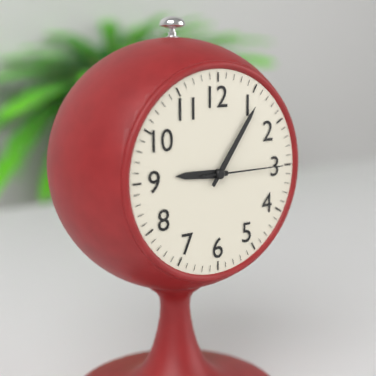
**9:06:15**
